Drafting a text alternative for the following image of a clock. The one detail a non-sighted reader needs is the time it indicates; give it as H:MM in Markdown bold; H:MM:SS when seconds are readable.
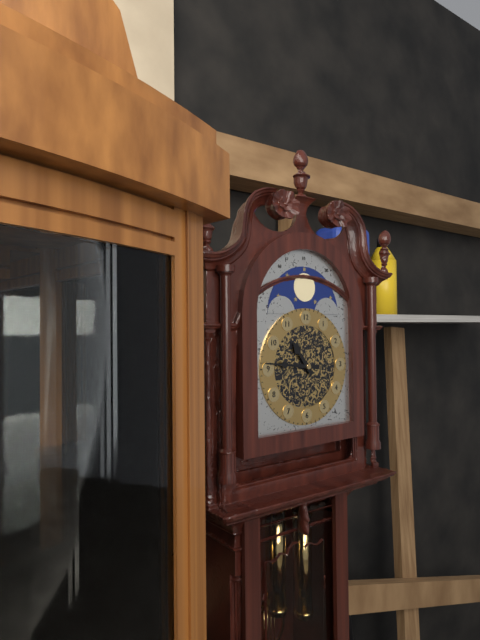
**10:46**
